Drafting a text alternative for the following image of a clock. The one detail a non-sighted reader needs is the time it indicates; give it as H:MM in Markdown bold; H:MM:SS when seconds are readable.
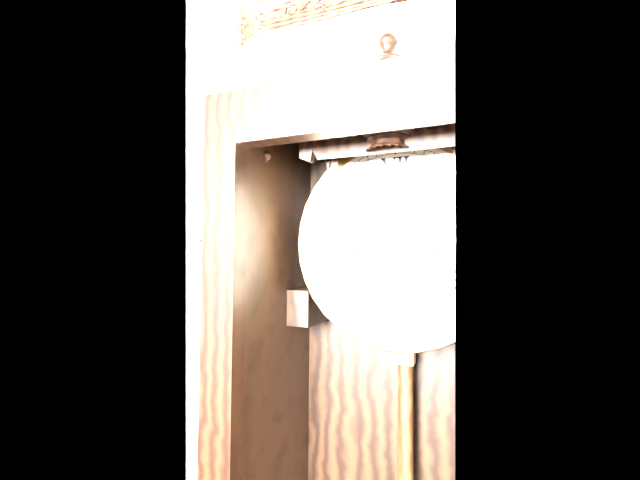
**4:19**
